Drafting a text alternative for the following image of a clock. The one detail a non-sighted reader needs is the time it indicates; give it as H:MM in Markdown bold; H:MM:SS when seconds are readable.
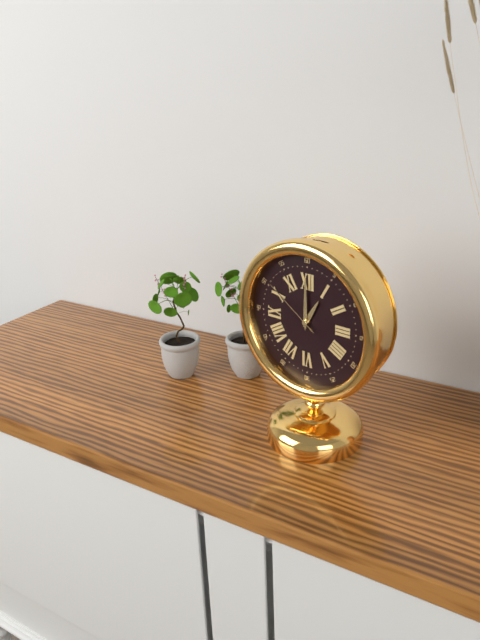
**1:00:51**
